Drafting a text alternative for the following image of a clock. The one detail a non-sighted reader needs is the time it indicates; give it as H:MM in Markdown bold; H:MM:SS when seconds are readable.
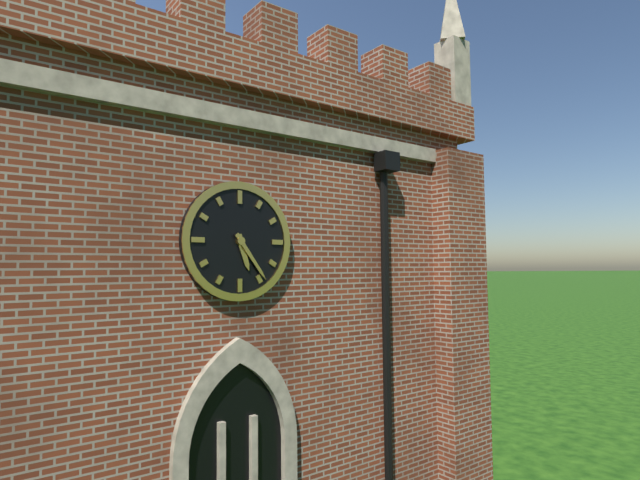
**5:24**
